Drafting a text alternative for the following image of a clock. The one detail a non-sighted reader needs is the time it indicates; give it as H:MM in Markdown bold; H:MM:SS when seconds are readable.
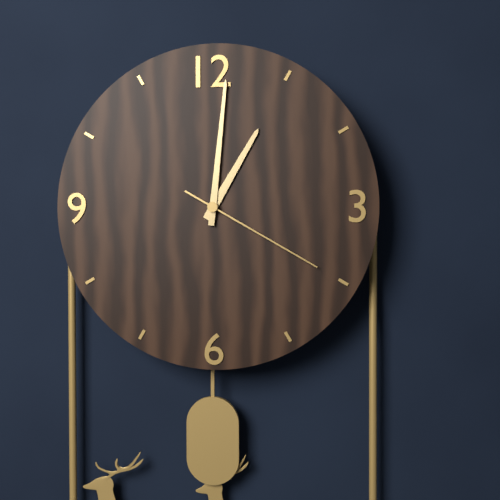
**1:01:20**
